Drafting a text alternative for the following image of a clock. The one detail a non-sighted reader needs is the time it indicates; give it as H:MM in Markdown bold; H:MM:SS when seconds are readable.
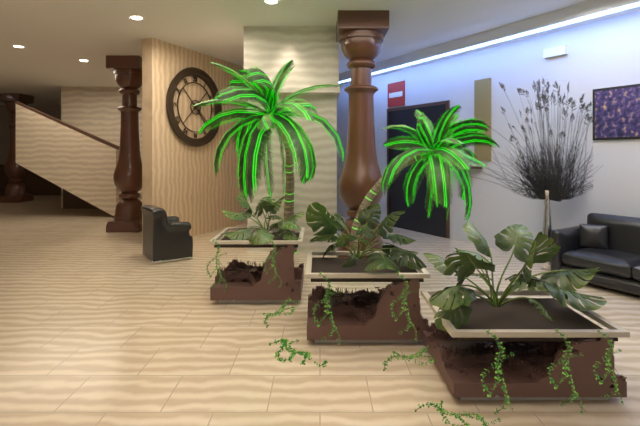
**2:22**
